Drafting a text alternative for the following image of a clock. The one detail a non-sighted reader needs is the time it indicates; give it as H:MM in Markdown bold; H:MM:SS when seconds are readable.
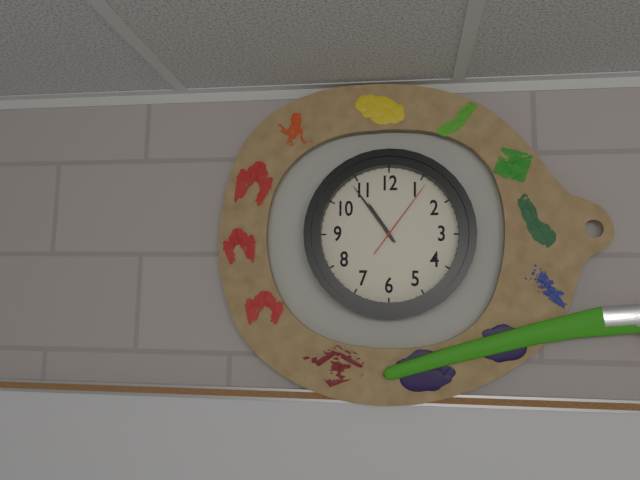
**10:54:06**
